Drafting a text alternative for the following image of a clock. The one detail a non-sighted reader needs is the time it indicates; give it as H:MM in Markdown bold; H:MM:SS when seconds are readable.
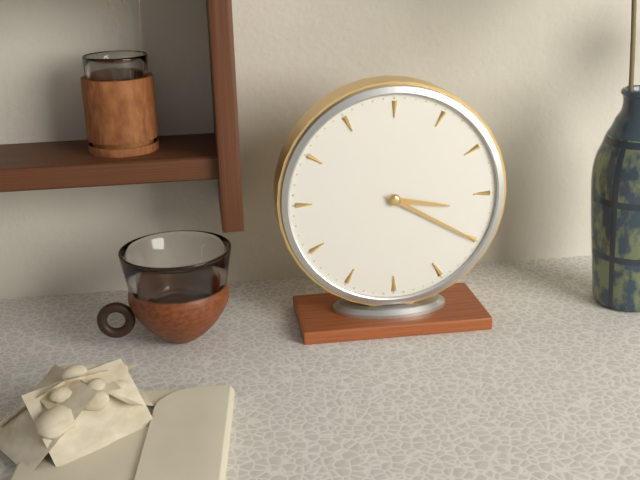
**3:20**
